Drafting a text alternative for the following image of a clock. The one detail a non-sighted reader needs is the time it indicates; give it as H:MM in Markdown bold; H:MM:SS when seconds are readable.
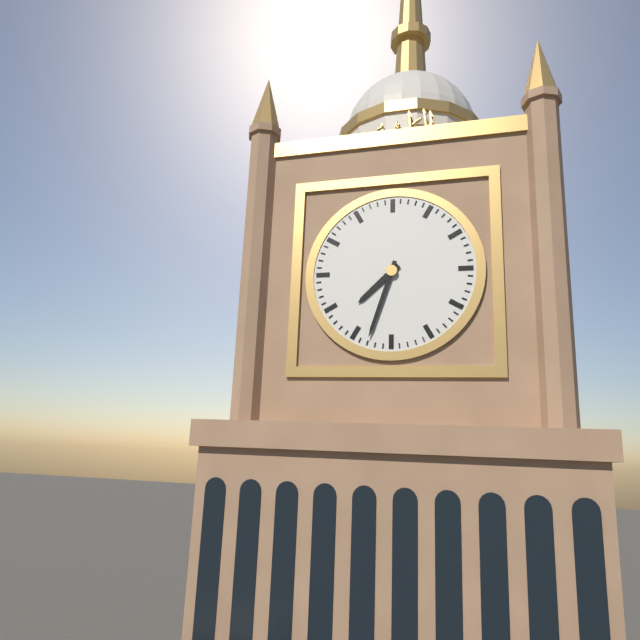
**7:33**
